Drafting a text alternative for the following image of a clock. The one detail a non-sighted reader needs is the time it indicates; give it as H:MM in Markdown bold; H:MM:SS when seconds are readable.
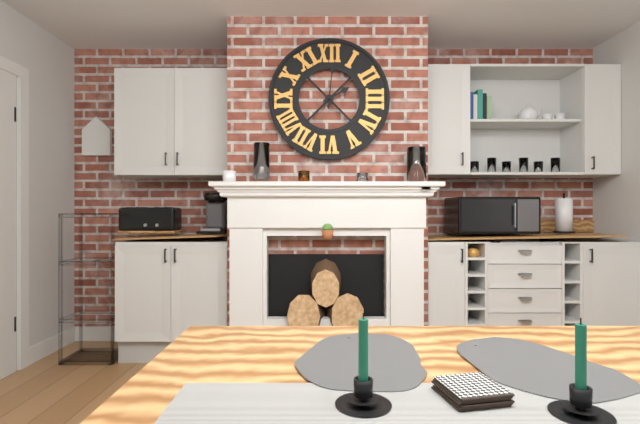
**2:01**
